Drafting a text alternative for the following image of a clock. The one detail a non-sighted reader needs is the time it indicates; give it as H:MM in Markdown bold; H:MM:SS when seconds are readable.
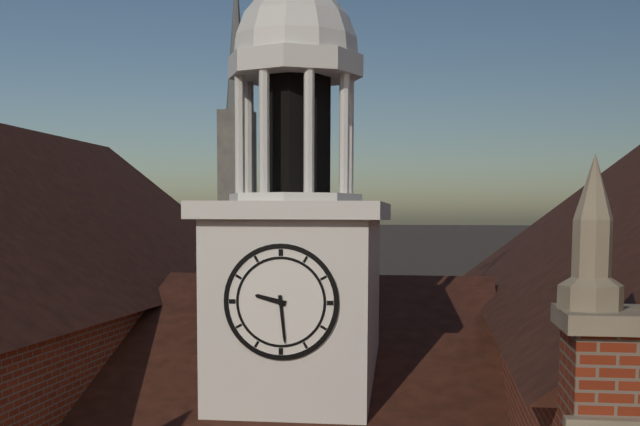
**9:29**
